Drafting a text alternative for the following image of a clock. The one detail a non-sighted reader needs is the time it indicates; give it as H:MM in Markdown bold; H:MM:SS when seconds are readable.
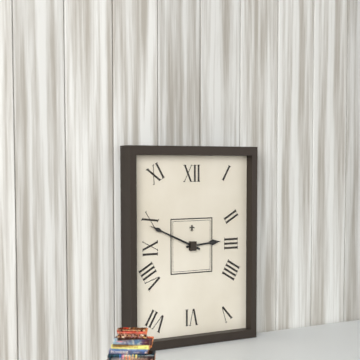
**2:49**
